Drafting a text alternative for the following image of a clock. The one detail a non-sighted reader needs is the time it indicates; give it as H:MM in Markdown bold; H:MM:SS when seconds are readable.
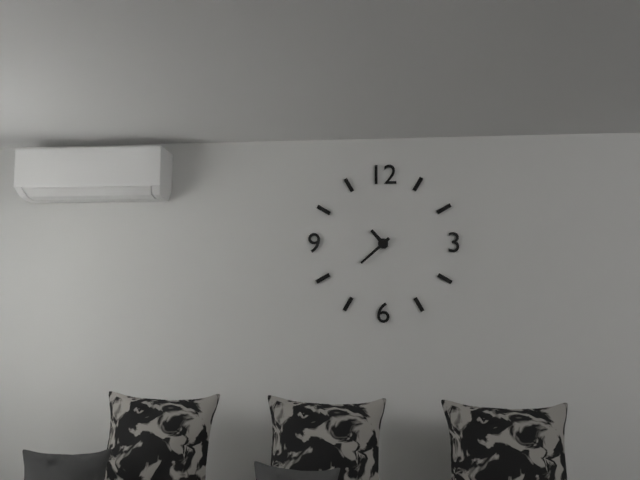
**10:38**
